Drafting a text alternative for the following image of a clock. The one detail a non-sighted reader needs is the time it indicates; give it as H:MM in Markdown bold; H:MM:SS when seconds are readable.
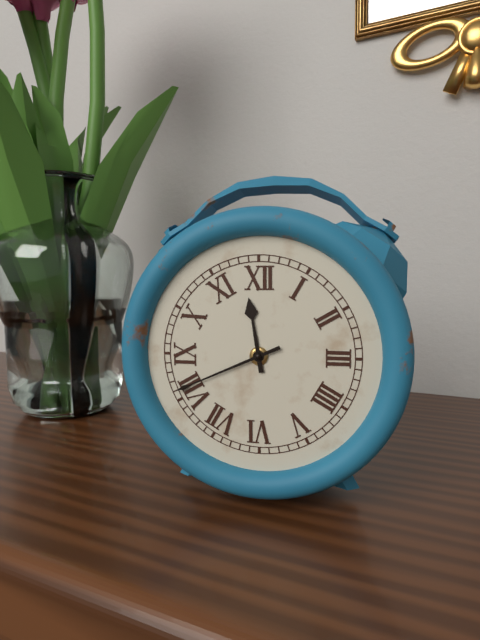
**11:41**
